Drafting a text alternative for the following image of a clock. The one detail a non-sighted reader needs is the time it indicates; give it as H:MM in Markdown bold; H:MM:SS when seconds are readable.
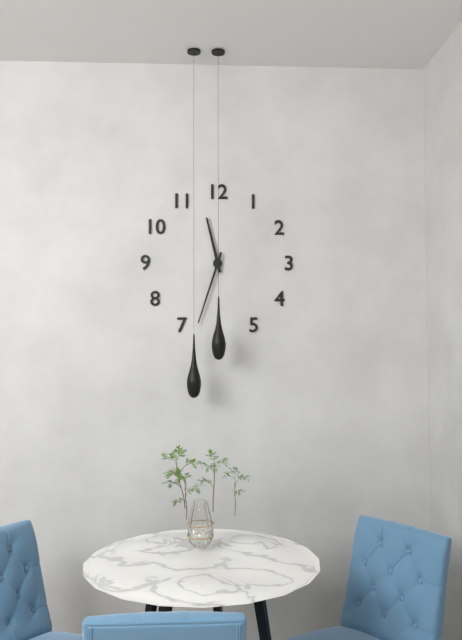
**11:33**
